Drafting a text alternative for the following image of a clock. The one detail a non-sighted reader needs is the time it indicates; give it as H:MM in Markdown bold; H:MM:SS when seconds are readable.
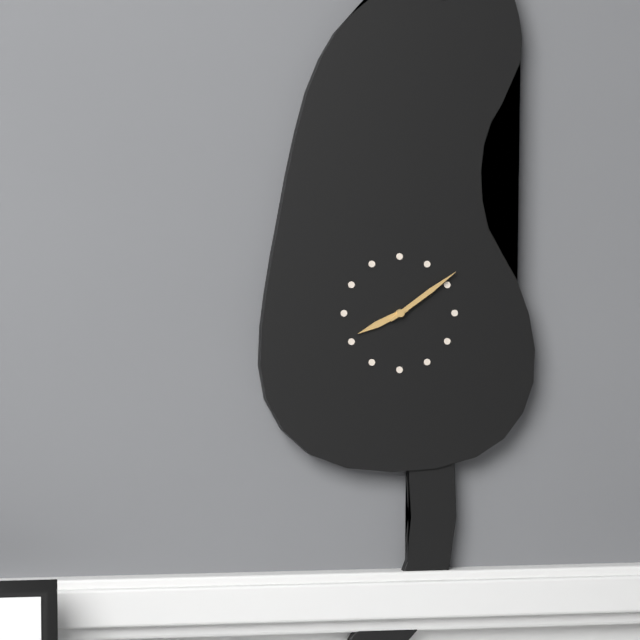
**8:09**
